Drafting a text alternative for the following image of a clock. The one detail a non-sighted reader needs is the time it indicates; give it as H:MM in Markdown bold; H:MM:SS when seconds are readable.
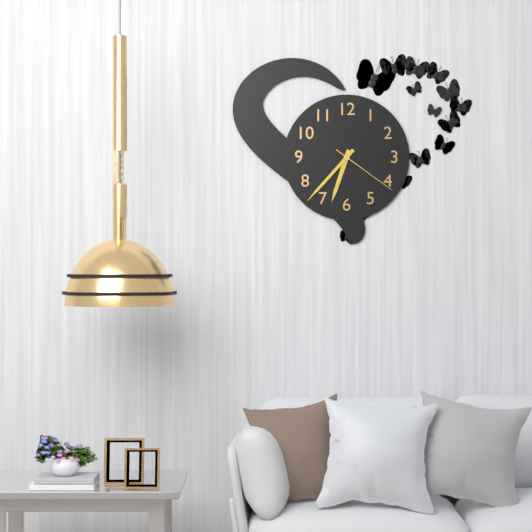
**6:37:21**
